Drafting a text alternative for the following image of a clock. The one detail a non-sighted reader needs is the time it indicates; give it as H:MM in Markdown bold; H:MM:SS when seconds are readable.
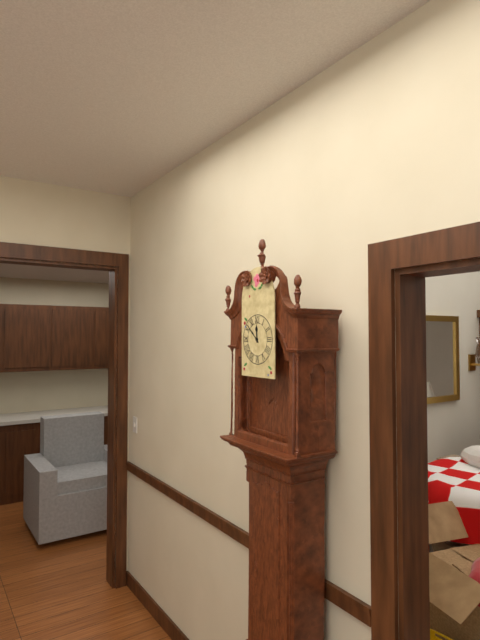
**11:52**
